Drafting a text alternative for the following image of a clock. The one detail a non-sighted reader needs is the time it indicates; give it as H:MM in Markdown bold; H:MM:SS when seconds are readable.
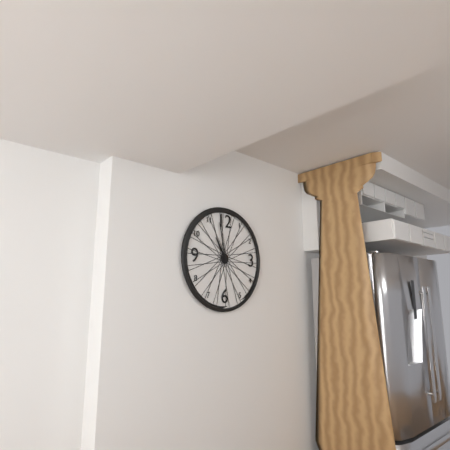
**10:58**
